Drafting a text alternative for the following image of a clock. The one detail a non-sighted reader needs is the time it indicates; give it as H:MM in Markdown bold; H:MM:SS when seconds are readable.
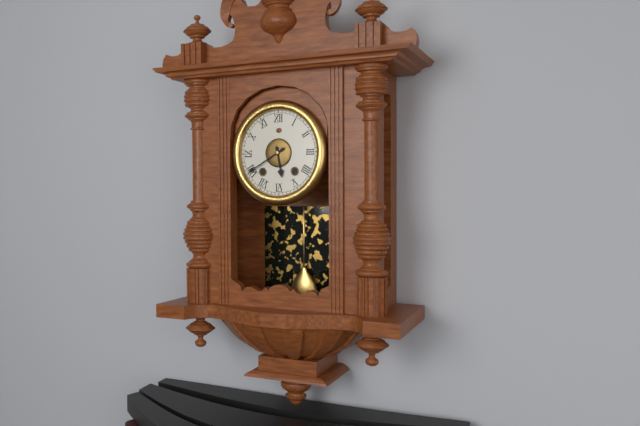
**5:40**
